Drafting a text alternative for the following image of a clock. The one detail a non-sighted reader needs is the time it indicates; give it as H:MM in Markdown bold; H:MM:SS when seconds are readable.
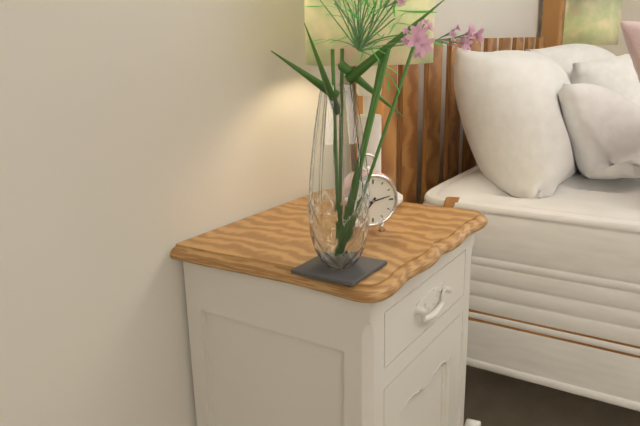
**7:13**
